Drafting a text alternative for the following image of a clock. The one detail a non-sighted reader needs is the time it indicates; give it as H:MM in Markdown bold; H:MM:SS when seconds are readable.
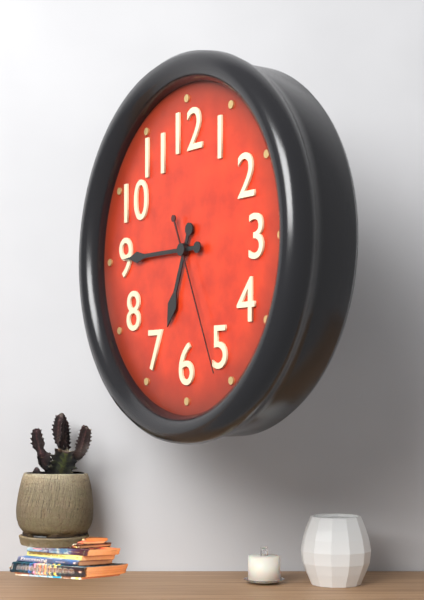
**6:45:26**
